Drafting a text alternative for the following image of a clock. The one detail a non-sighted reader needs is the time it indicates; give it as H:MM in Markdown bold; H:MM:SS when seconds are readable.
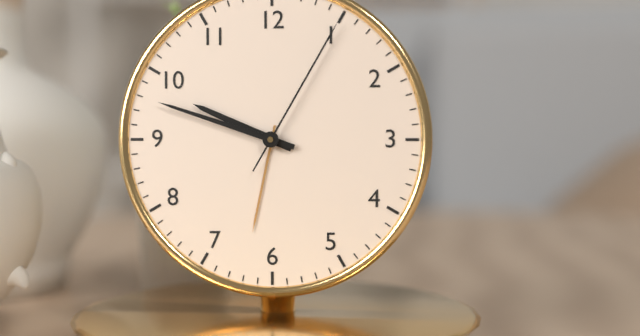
**9:48:05**
